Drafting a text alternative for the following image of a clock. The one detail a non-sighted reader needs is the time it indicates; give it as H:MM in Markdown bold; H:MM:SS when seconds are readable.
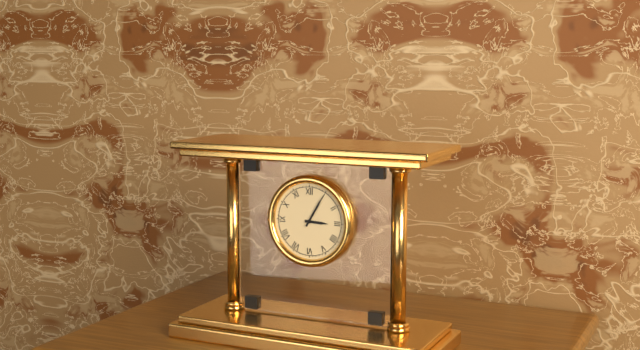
**3:05**
